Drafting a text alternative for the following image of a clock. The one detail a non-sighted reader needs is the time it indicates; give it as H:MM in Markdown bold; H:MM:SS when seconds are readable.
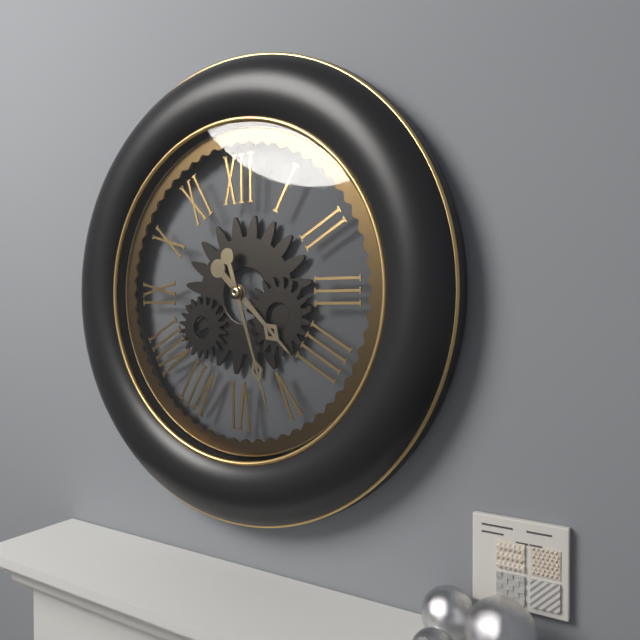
**4:27**
